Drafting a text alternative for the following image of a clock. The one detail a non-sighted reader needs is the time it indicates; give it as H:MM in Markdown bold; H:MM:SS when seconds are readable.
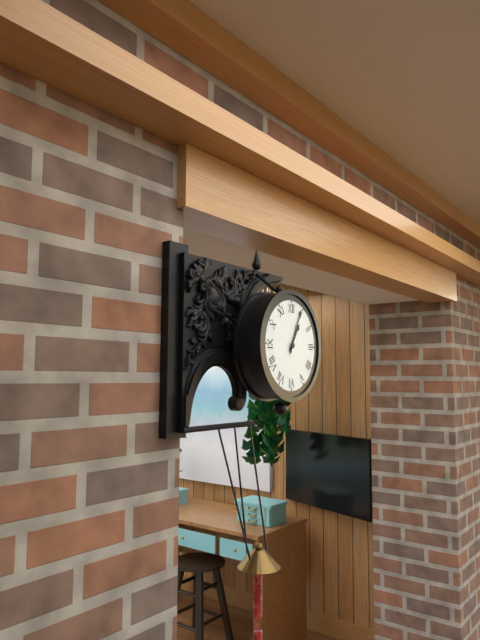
**1:04**
